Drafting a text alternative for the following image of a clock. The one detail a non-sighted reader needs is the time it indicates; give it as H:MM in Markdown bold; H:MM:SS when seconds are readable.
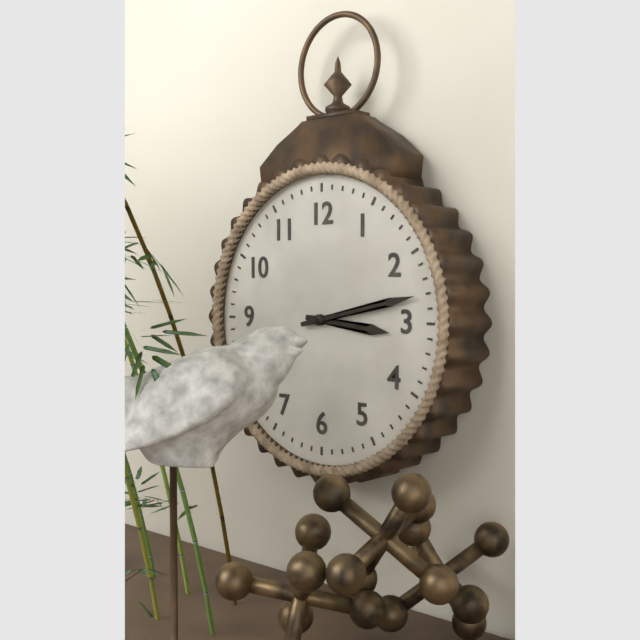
**3:13**
